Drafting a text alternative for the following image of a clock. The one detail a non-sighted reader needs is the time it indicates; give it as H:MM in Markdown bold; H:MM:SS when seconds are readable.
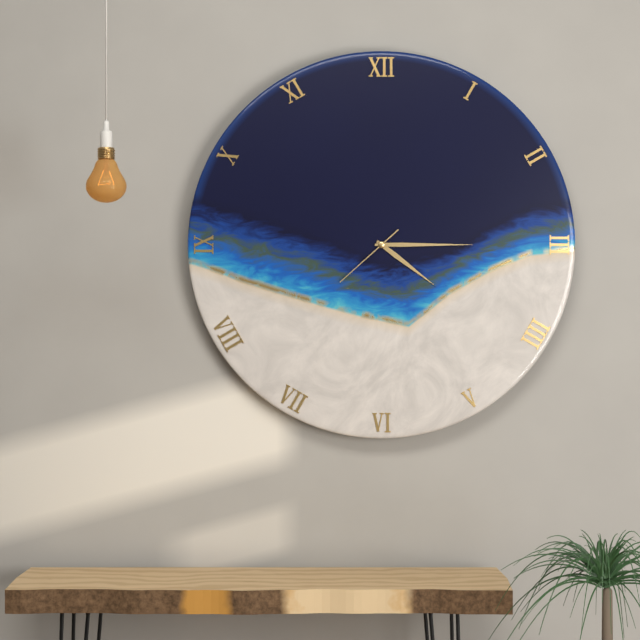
**4:15:38**
